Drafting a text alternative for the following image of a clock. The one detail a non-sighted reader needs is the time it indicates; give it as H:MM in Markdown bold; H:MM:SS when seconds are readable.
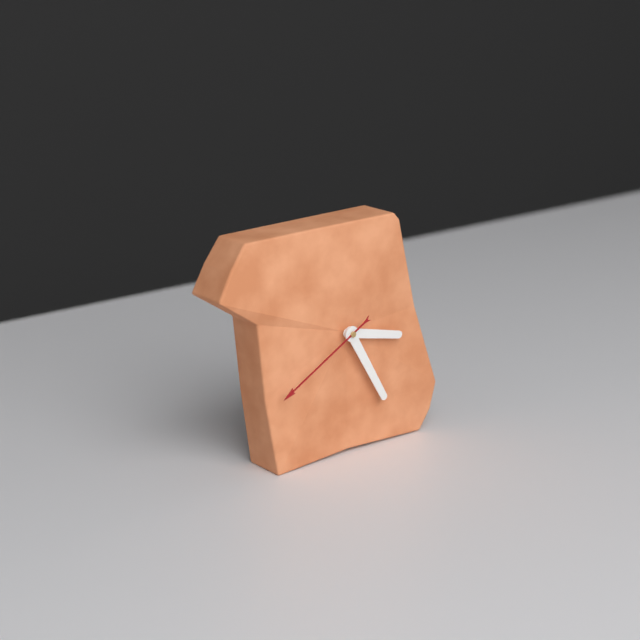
**3:25:40**
